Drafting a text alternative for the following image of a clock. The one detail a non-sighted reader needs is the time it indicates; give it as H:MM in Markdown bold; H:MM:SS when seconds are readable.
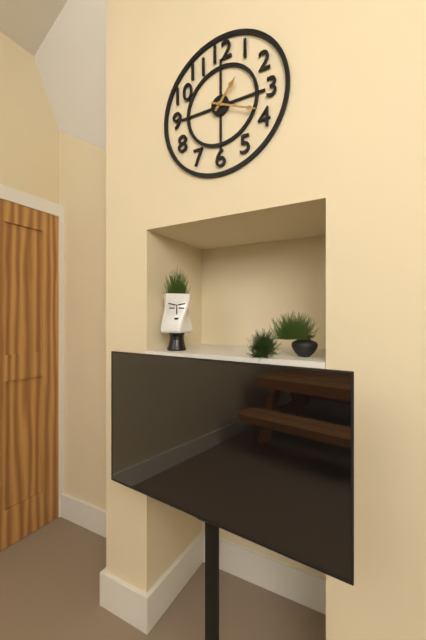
**1:19**
